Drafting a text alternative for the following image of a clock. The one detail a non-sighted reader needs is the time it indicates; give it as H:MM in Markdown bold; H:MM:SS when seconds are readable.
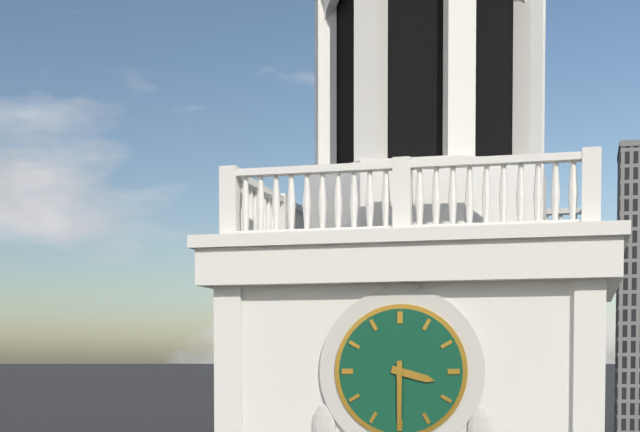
**3:30**
